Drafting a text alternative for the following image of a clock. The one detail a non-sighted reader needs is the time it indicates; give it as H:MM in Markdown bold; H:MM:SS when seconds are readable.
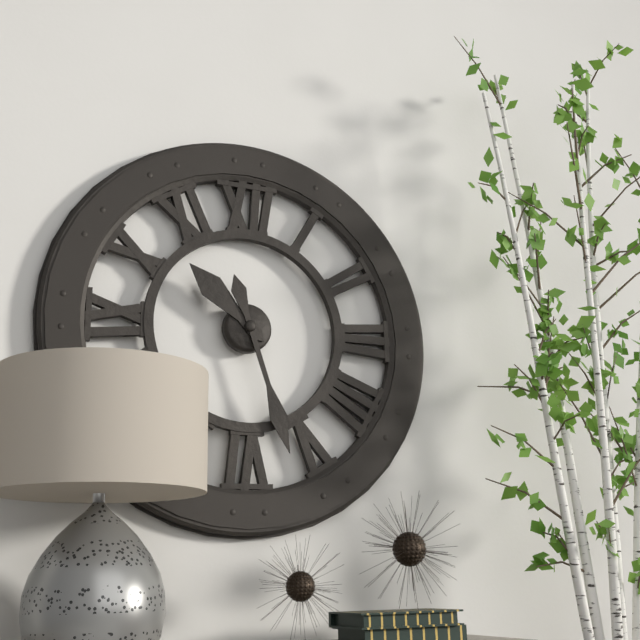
**10:27**
